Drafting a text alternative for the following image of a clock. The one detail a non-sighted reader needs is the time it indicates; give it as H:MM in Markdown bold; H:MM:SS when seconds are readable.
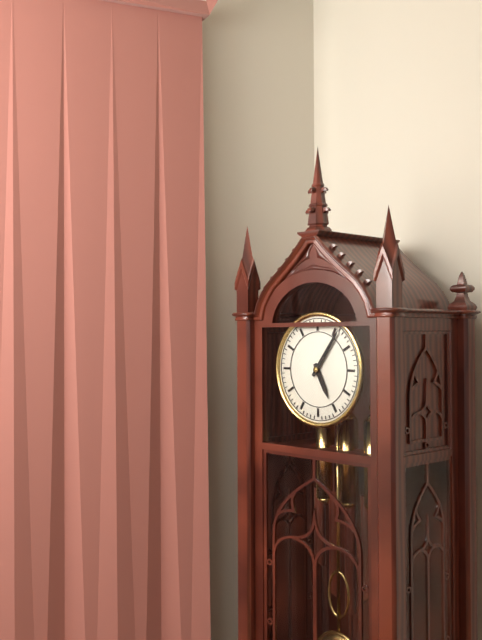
**5:06**
